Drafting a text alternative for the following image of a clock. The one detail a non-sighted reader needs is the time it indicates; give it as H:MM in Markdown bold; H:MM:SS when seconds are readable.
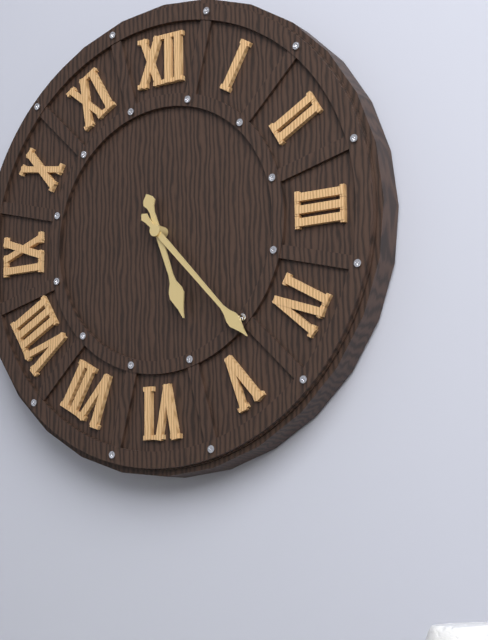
**5:23**
